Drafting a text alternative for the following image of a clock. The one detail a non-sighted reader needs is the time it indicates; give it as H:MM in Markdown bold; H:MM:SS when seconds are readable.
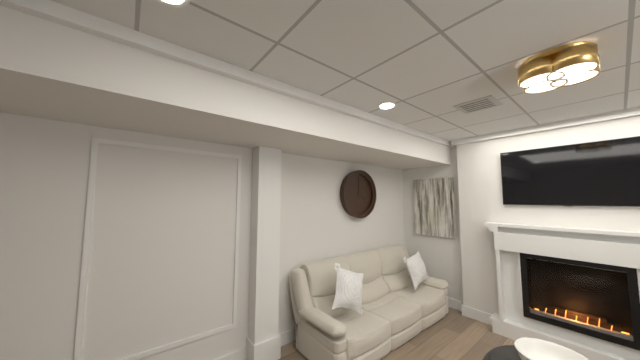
**4:00**
